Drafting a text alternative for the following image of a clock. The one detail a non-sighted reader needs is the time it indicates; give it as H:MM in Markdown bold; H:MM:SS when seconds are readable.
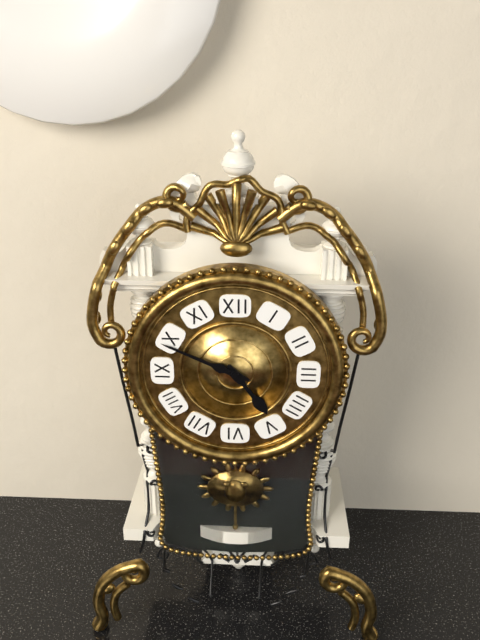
**4:49**
